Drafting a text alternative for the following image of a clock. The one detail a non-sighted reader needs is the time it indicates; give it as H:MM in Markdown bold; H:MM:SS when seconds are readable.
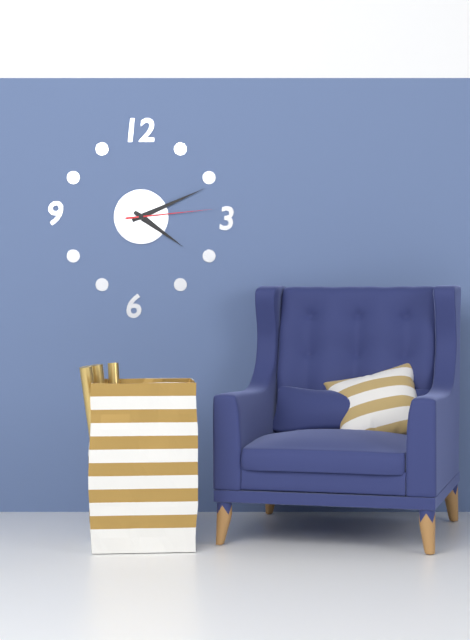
**4:11:14**
